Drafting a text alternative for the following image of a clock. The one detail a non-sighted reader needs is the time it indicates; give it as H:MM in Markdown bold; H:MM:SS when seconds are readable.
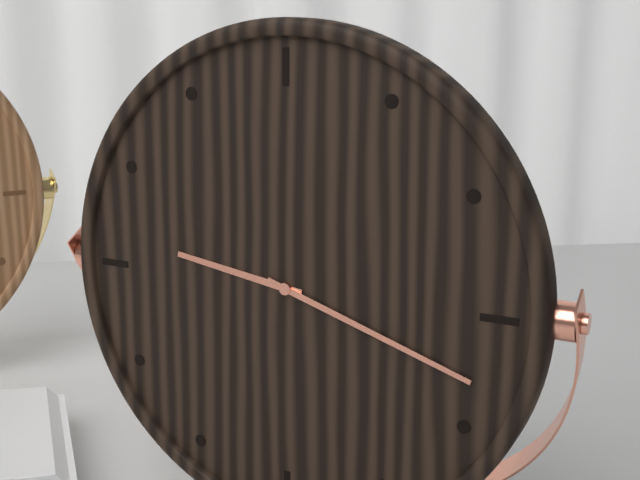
**9:18**
